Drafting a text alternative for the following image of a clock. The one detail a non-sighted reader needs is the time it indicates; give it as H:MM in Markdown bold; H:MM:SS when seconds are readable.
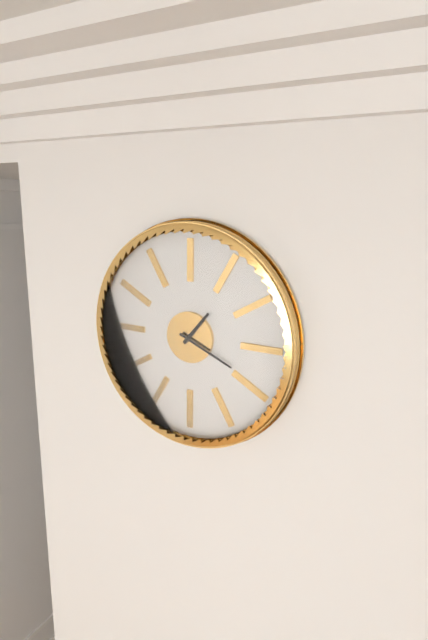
**1:19**
